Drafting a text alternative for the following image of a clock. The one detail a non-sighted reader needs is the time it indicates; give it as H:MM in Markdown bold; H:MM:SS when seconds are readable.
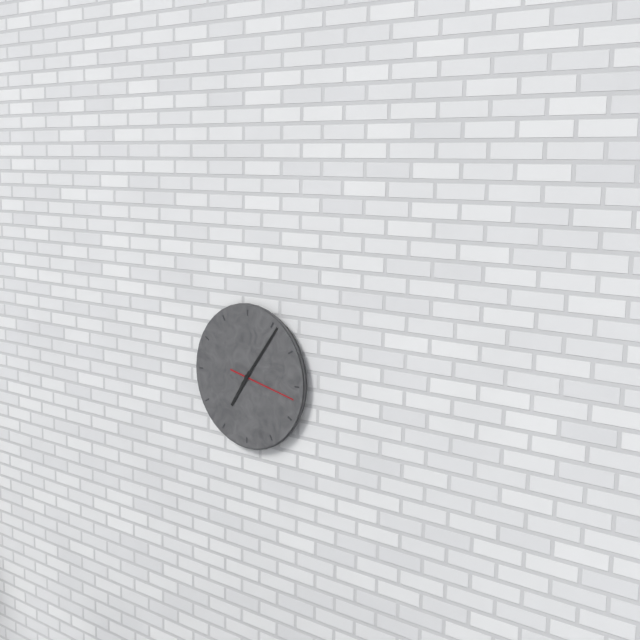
**7:06:17**
